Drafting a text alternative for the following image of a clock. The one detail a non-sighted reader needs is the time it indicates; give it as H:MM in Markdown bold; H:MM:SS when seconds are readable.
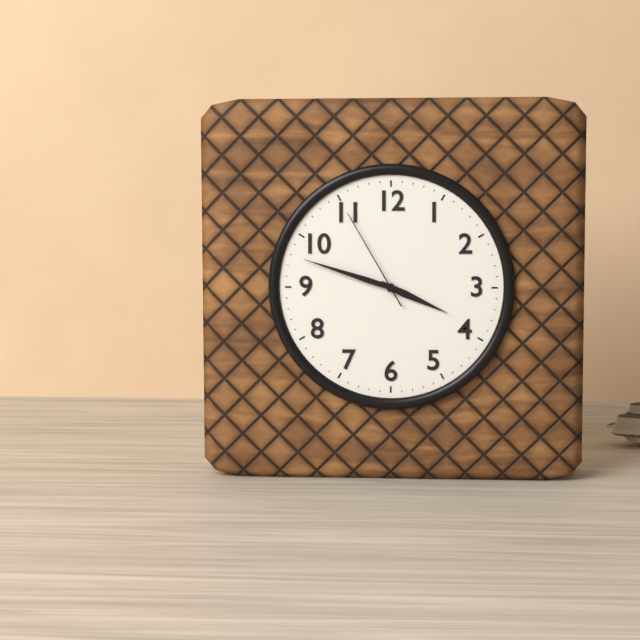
**3:48:55**
